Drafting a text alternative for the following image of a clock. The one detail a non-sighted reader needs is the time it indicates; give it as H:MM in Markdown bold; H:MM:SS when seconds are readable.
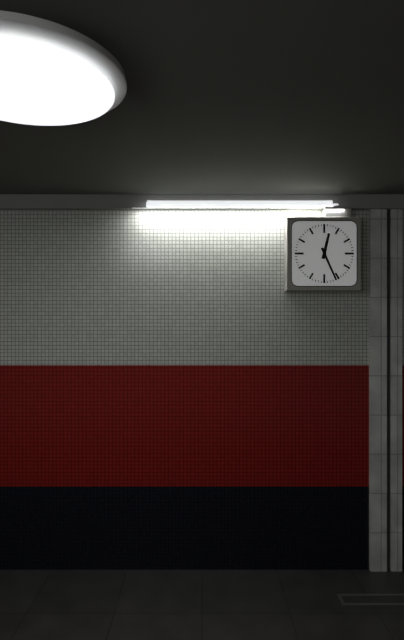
**12:26**
